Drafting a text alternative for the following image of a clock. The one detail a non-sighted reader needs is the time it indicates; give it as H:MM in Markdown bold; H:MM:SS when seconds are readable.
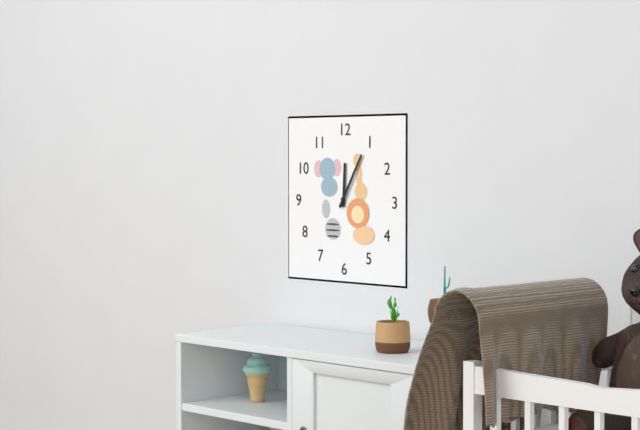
**12:05**
